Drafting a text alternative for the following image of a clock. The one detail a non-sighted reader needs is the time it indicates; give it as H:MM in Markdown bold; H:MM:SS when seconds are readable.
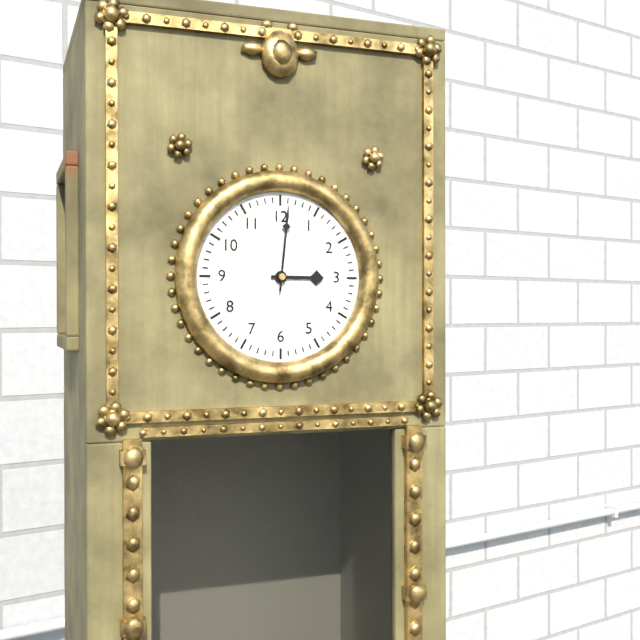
**3:01**
